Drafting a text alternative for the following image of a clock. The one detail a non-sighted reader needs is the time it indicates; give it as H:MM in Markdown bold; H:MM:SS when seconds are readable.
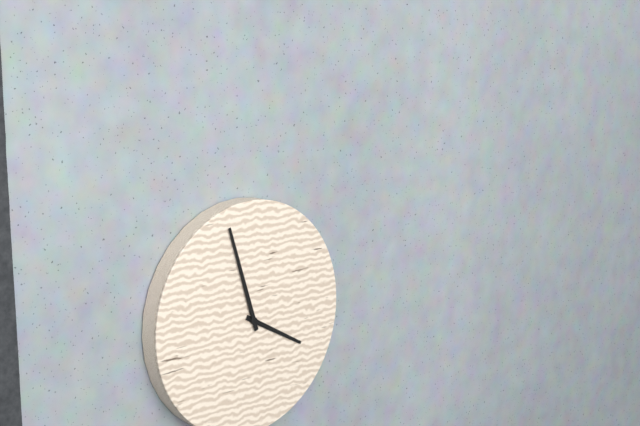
**3:57**
